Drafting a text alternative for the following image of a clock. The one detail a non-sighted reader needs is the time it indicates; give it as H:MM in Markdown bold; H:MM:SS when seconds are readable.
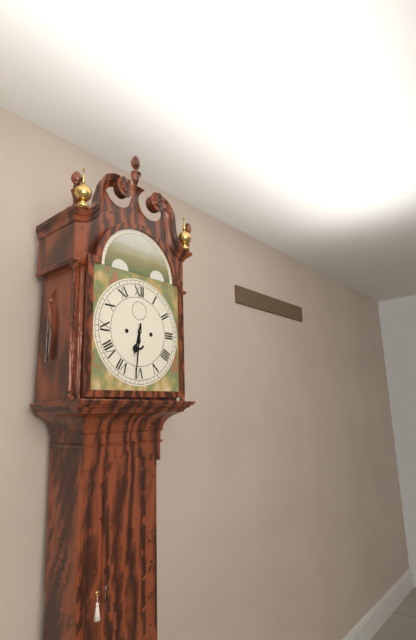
**6:31**
